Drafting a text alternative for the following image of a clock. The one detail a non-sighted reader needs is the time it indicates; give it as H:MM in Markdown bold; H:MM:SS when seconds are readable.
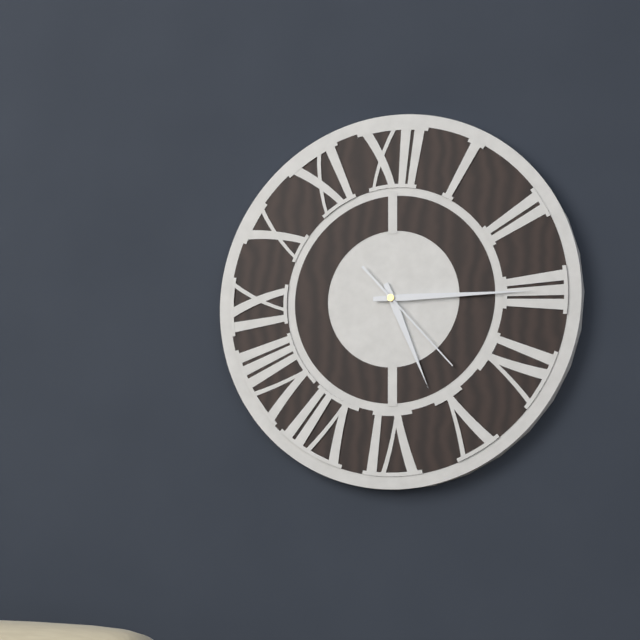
**5:15:23**
